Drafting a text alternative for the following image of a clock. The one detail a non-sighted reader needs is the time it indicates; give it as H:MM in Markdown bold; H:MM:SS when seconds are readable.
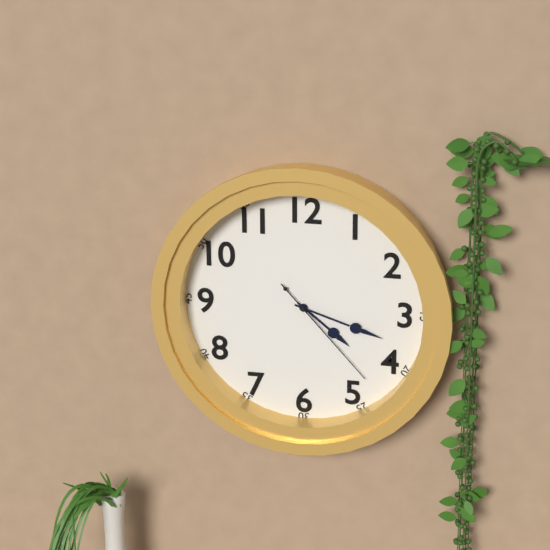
**4:18:23**
